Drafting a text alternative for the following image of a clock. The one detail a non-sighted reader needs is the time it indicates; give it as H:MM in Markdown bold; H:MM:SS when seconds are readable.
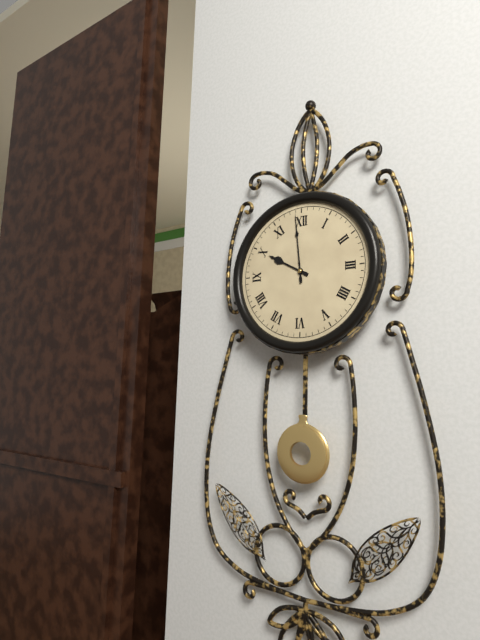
**9:59**
